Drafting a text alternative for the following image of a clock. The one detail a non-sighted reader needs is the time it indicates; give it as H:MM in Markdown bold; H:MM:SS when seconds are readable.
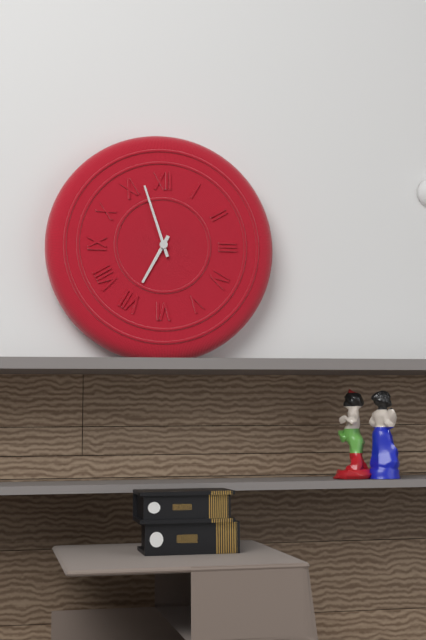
**6:57**
